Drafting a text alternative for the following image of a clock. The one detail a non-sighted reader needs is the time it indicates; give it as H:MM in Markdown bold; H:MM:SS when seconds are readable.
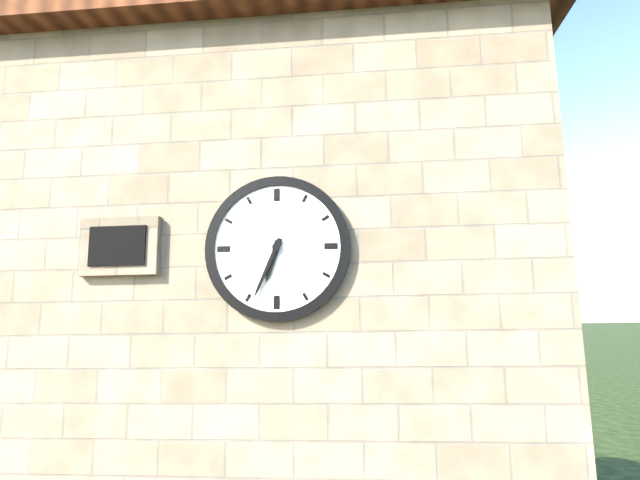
**6:34**
